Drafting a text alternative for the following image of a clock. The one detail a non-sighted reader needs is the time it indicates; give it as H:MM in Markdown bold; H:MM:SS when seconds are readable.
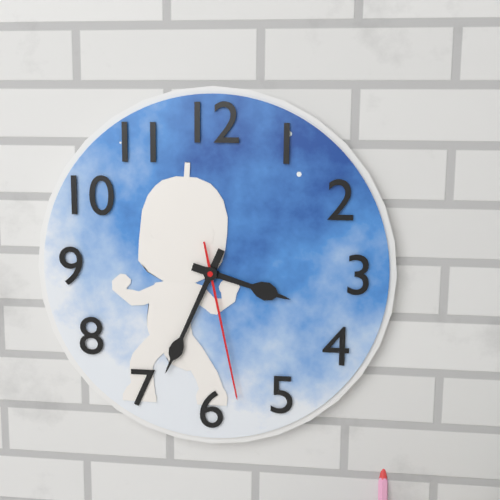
**3:34:28**
